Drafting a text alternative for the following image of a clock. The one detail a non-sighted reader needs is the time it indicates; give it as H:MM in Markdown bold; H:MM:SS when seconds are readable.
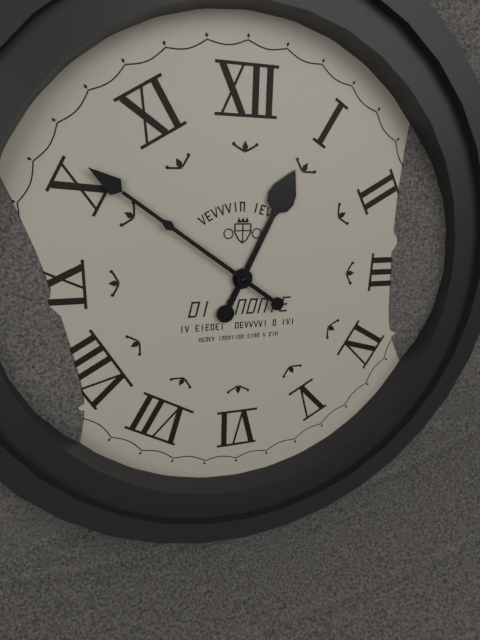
**12:51**
